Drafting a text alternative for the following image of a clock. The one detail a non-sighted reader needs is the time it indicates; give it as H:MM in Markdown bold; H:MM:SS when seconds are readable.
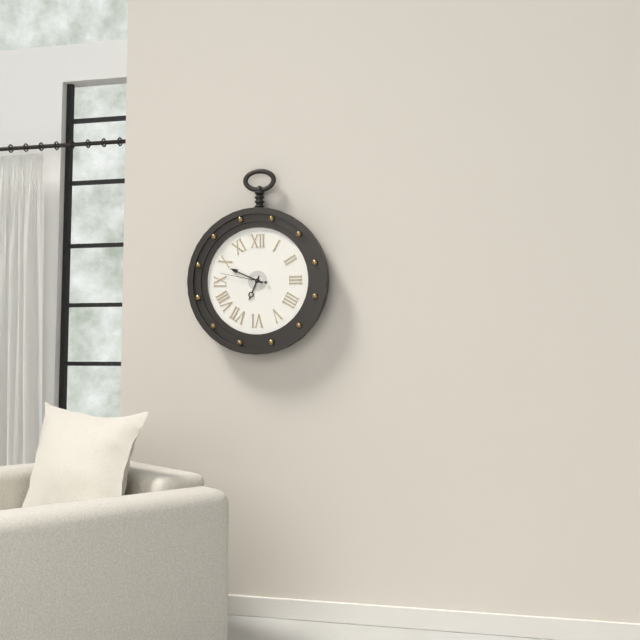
**6:49**
